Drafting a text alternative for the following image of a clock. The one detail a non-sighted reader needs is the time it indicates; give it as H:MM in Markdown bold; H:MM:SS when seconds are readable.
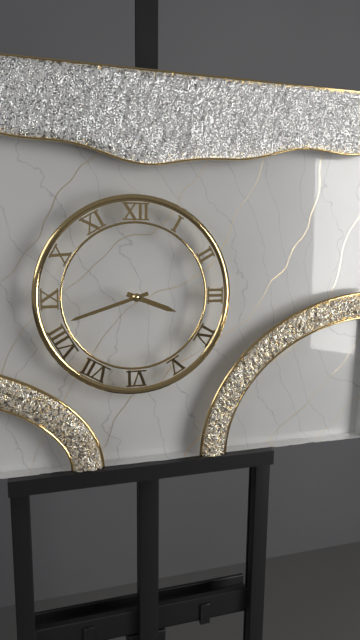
**3:42**
